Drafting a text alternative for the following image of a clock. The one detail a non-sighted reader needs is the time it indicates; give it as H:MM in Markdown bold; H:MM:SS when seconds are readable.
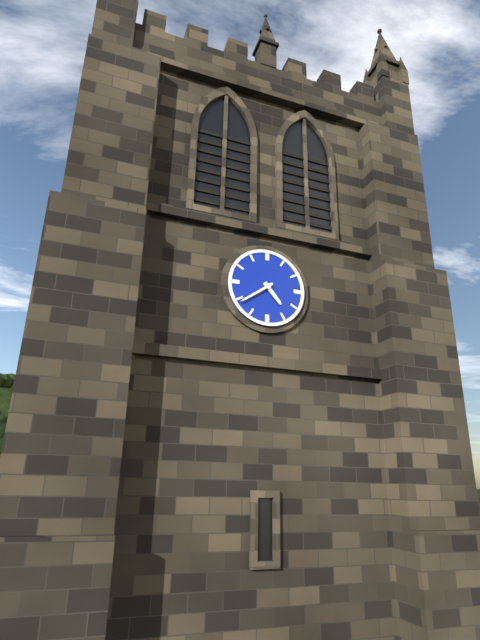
**4:39**
